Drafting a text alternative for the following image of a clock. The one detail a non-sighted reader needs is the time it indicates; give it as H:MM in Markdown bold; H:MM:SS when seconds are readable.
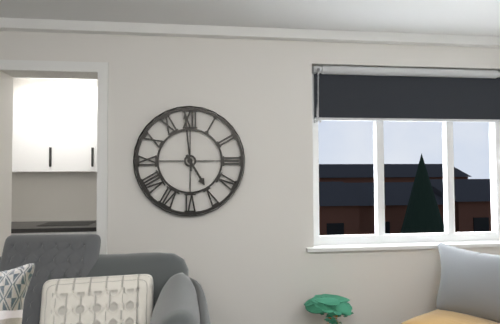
**4:59**
